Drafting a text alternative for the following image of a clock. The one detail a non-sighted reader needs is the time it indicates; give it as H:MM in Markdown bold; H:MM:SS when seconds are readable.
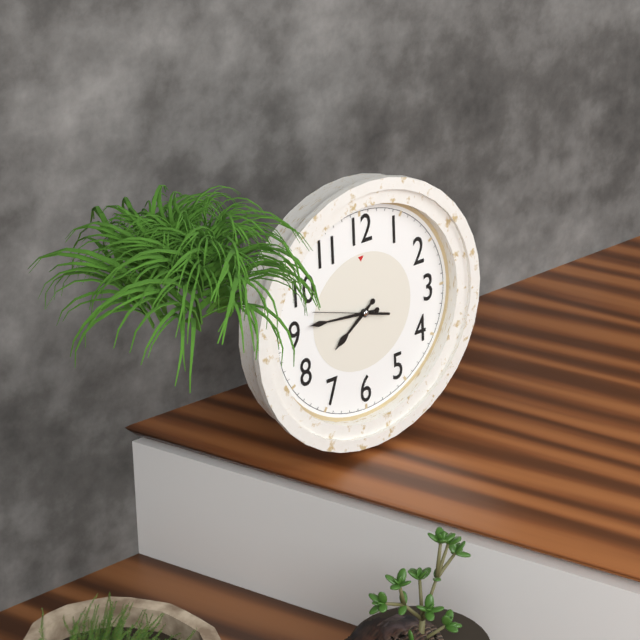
**7:46:48**
